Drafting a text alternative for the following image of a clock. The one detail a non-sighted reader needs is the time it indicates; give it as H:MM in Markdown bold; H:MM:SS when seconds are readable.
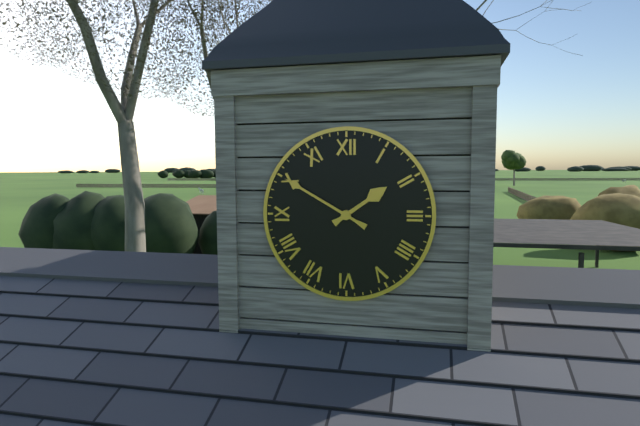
**1:50**
